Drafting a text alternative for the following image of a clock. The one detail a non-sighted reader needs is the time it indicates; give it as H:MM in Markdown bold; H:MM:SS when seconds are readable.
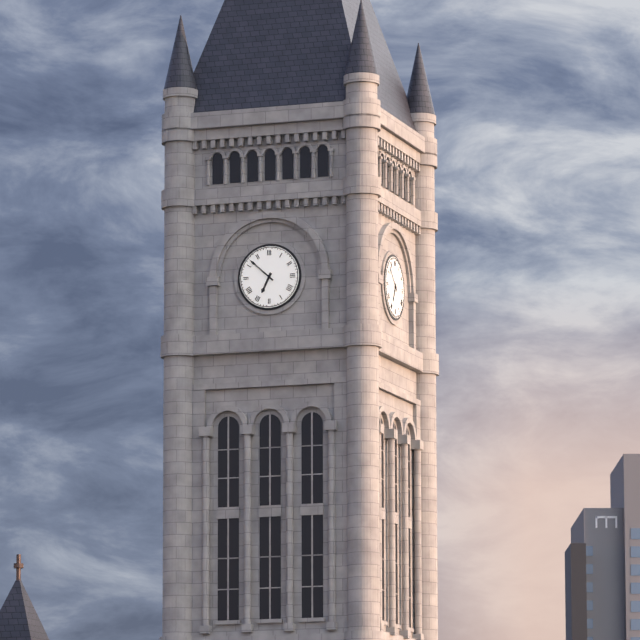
**6:52**
